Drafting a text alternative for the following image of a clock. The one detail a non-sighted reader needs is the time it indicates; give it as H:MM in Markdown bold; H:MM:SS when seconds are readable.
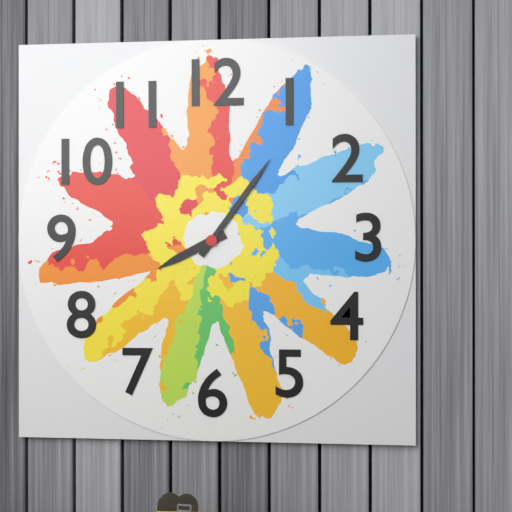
**8:06**
